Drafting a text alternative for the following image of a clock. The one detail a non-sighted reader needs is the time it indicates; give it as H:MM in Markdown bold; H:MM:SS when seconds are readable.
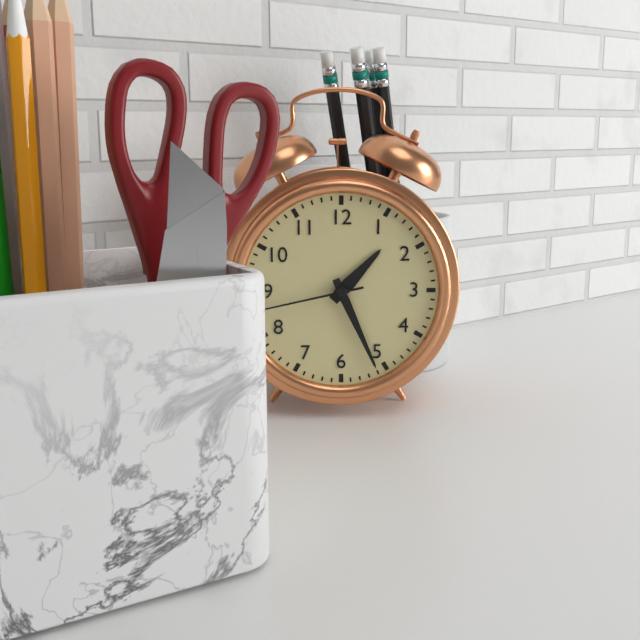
**1:26:43**
